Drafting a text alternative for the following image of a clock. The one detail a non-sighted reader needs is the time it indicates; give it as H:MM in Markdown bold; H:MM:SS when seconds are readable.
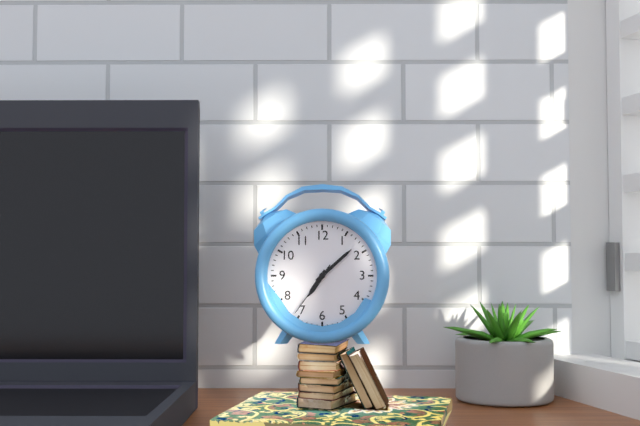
**7:08:36**
